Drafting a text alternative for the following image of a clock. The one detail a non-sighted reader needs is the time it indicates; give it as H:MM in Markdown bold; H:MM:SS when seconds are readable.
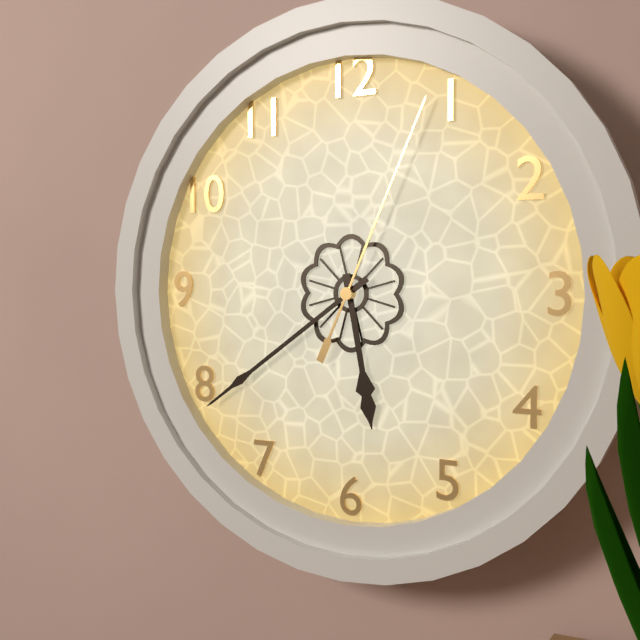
**5:39:04**
